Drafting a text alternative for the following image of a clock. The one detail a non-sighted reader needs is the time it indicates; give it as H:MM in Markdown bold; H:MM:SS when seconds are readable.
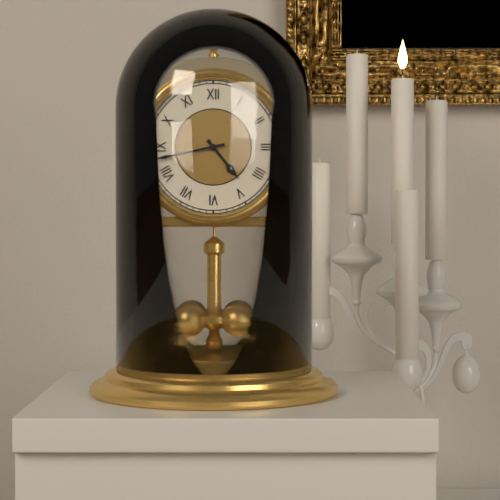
**4:43**
